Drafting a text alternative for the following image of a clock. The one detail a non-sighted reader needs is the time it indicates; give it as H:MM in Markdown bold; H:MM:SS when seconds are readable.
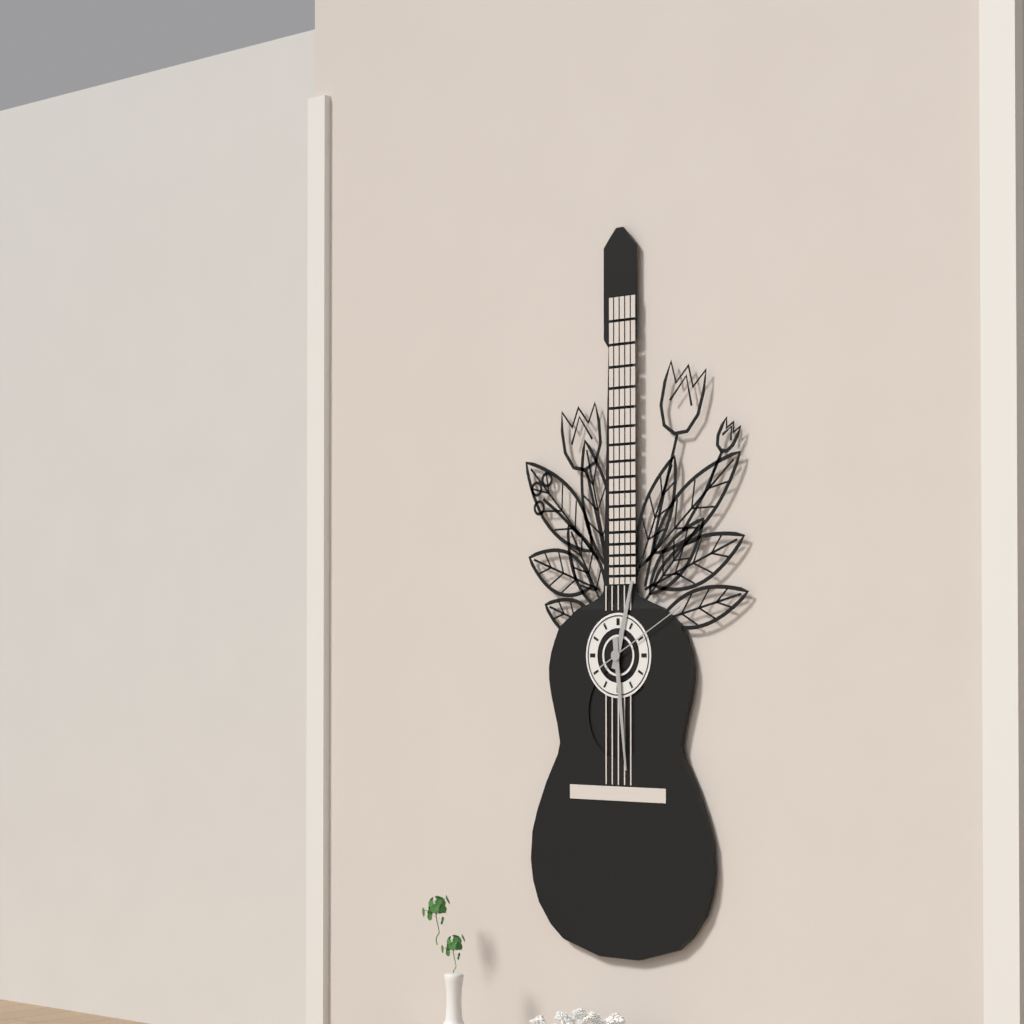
**12:29:10**
